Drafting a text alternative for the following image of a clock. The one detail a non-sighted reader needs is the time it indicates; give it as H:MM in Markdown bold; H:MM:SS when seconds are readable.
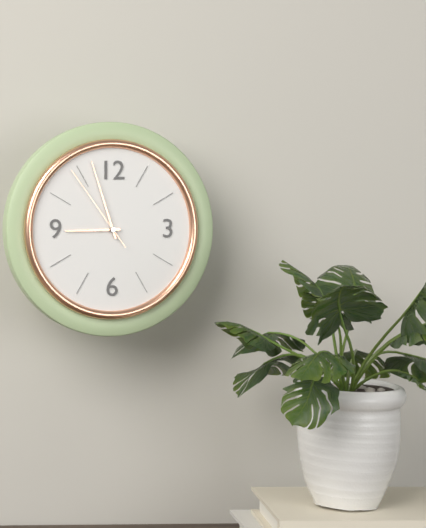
**8:57:54**
